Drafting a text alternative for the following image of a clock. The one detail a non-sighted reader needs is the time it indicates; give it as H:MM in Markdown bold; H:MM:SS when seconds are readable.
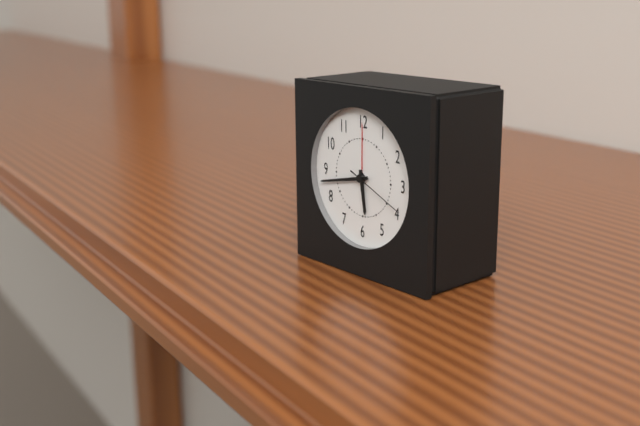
**5:43:19**
